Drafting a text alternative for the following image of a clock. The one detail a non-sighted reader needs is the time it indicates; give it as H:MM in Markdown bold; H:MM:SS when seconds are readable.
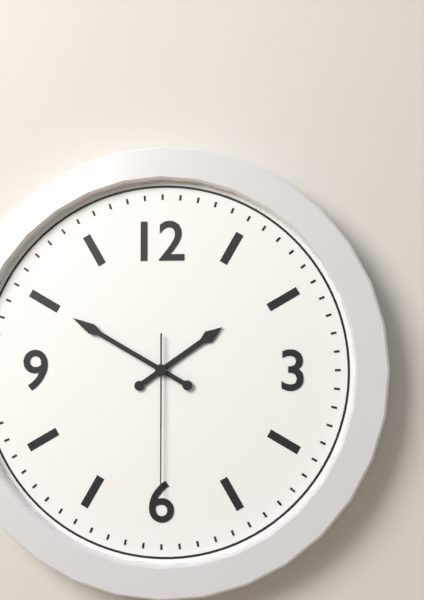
**1:50:30**
